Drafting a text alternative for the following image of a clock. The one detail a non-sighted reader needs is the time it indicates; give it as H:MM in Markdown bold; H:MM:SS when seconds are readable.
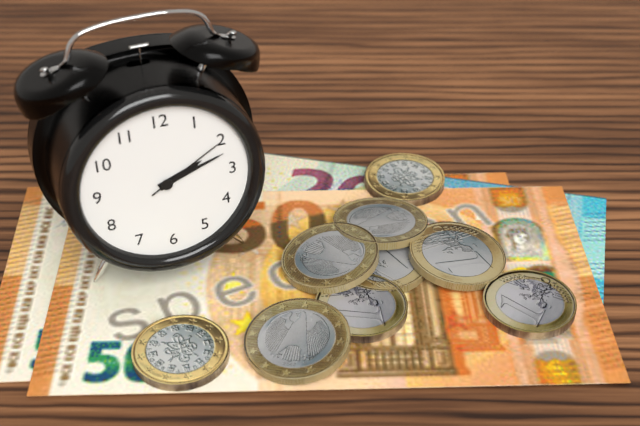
**2:12:10**
